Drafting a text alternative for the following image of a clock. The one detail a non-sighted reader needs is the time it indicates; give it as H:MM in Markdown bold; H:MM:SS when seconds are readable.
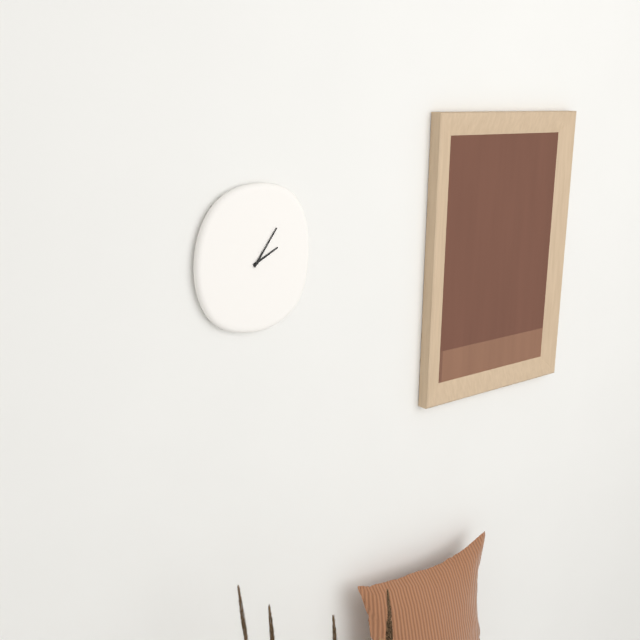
**2:06**
